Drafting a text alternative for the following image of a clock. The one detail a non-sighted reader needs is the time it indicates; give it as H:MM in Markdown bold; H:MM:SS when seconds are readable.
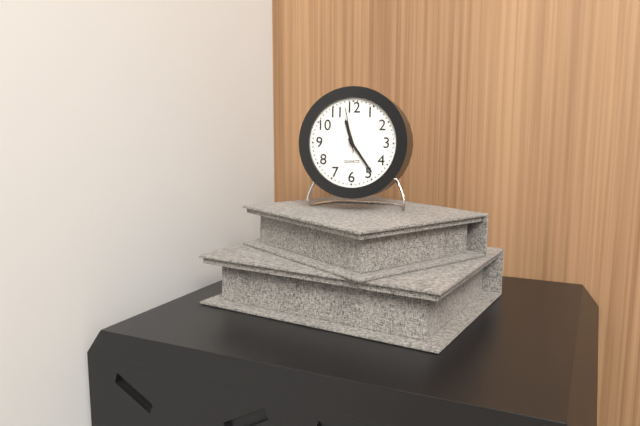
**11:24**
